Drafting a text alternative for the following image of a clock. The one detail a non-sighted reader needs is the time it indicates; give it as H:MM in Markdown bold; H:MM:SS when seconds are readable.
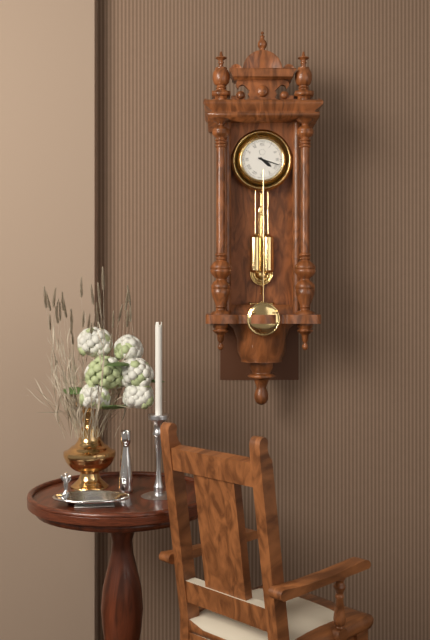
**4:18**
